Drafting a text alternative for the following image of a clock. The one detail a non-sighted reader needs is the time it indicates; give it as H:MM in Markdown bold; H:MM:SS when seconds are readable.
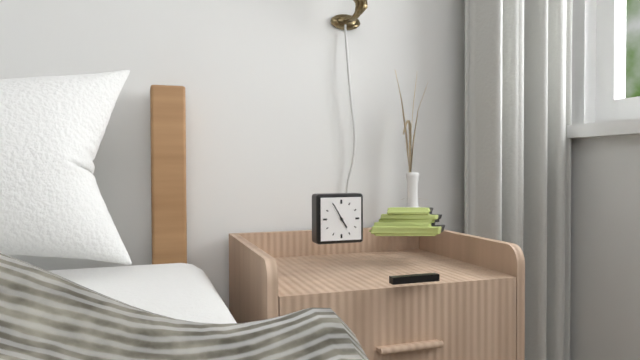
**4:55**
